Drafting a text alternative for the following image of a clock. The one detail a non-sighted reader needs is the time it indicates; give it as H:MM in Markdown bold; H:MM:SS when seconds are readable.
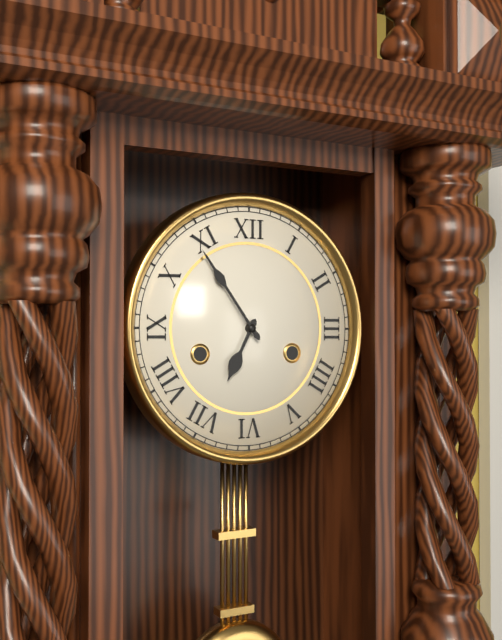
**6:54**
